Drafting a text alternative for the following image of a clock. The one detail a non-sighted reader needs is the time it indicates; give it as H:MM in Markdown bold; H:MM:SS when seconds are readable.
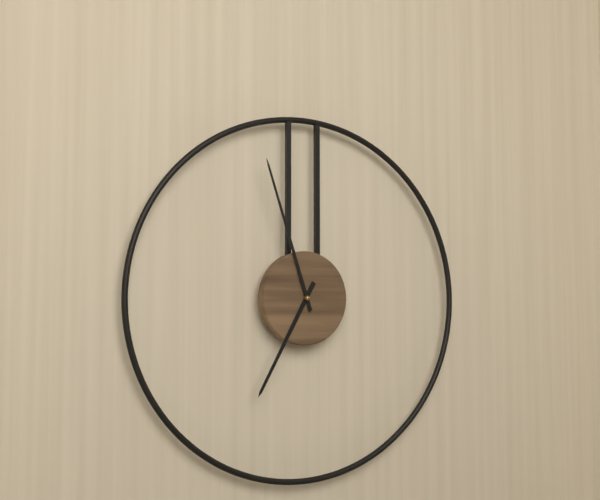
**6:57**
